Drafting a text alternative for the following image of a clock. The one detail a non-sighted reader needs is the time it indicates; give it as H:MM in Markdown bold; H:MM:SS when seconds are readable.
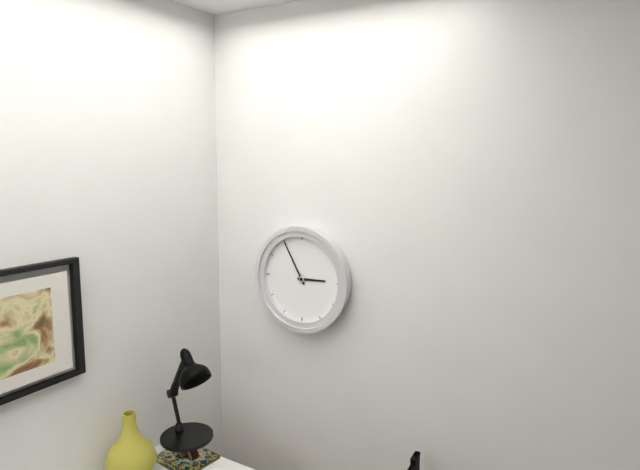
**2:55**
